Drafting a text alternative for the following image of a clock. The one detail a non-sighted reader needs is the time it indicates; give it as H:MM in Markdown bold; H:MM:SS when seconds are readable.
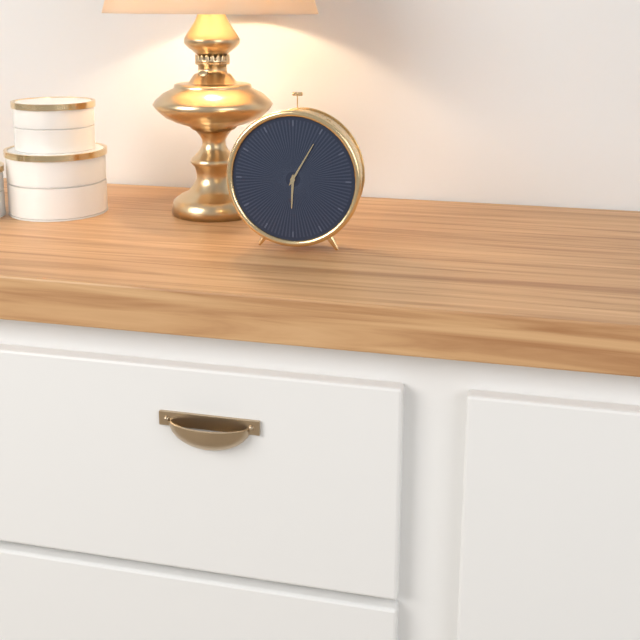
**6:05**
